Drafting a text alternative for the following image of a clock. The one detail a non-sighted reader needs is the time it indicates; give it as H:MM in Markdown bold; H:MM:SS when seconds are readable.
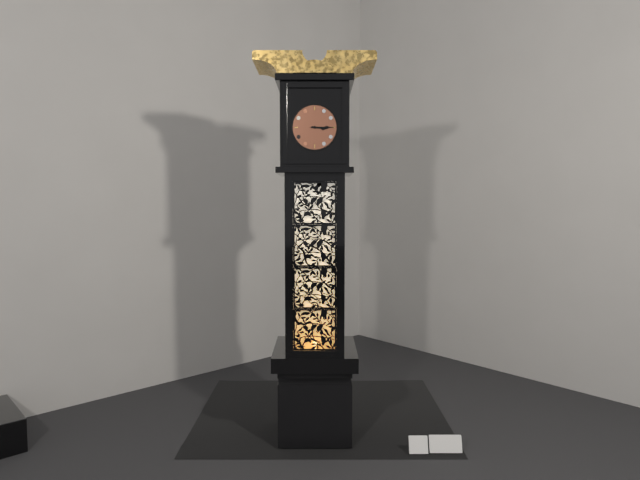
**3:15**
